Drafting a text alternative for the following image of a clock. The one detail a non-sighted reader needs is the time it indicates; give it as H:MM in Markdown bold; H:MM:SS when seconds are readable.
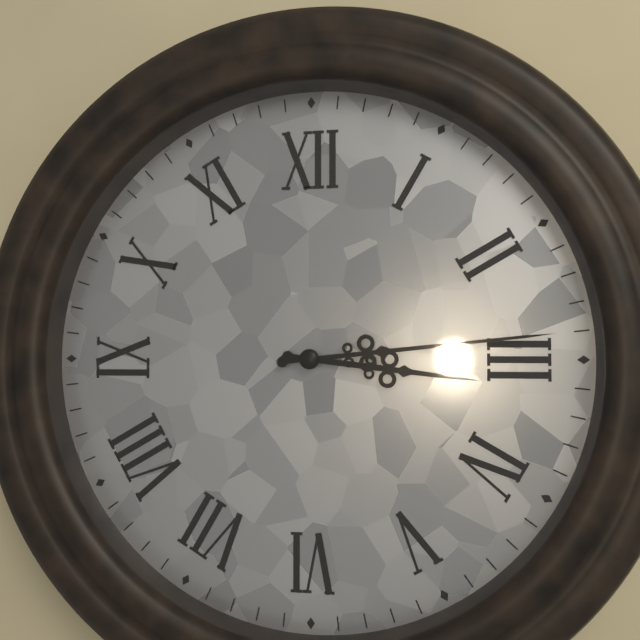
**3:14**
